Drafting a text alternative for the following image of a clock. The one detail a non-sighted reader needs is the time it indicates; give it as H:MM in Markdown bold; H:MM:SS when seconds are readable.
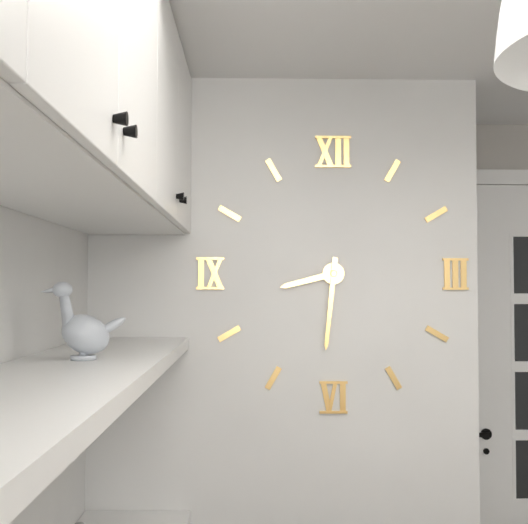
**8:31**
